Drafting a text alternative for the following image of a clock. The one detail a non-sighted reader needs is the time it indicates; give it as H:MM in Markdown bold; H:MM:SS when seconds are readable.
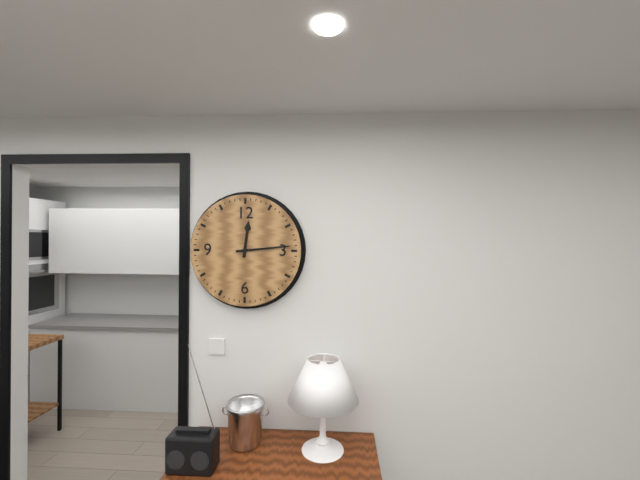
**12:14**
